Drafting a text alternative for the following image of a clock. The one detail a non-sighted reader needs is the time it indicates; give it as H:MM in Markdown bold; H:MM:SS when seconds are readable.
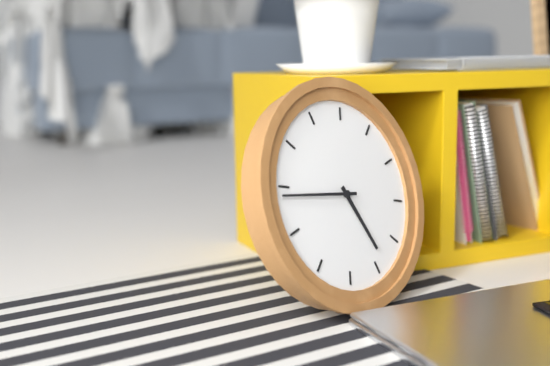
**4:44**
